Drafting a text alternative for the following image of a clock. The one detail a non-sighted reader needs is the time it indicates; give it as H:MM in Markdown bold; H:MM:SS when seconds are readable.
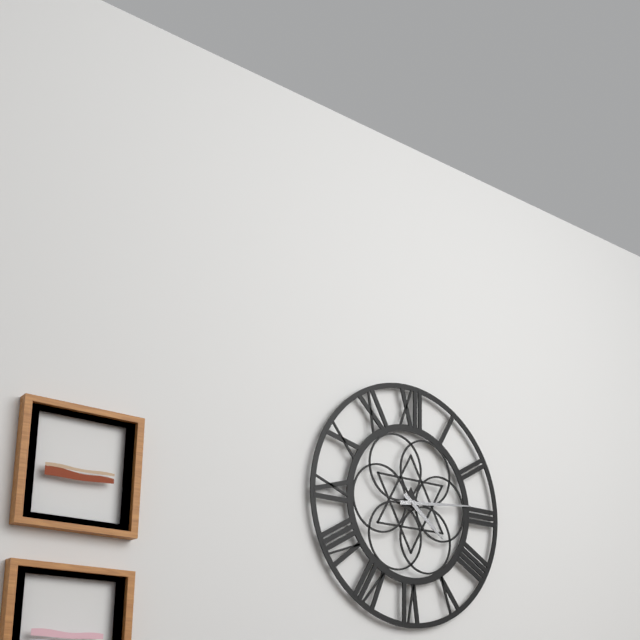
**4:14**
